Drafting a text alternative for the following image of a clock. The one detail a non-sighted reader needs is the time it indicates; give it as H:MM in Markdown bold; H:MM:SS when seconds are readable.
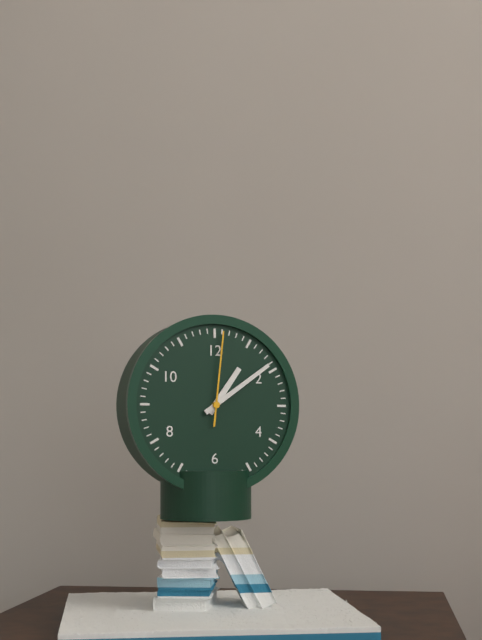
**1:09:01**
